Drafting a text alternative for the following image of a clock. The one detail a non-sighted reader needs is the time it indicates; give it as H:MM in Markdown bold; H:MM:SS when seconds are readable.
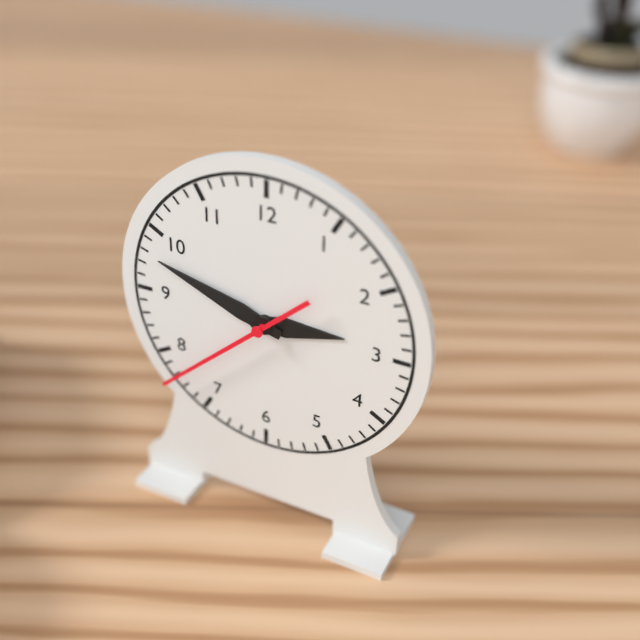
**2:48:38**
